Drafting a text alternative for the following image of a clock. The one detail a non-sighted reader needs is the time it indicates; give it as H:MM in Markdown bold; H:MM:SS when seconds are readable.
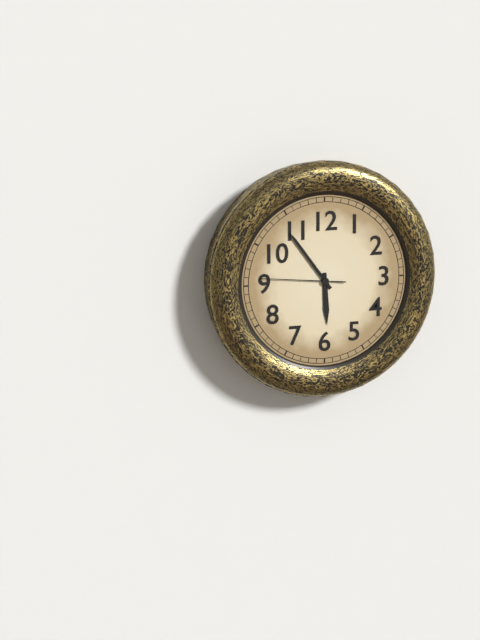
**5:54:46**
